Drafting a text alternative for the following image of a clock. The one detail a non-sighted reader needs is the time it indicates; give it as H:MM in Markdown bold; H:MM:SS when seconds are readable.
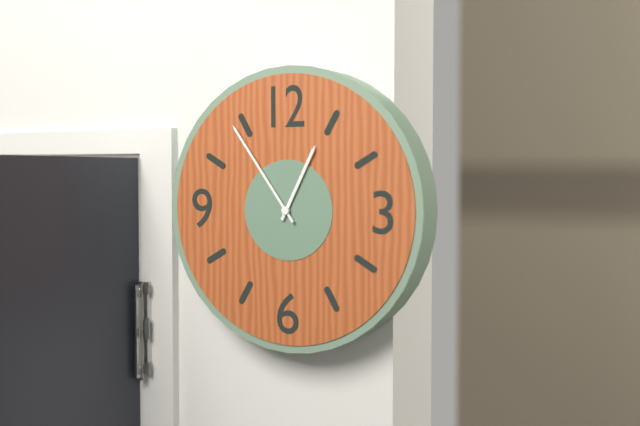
**12:54**
